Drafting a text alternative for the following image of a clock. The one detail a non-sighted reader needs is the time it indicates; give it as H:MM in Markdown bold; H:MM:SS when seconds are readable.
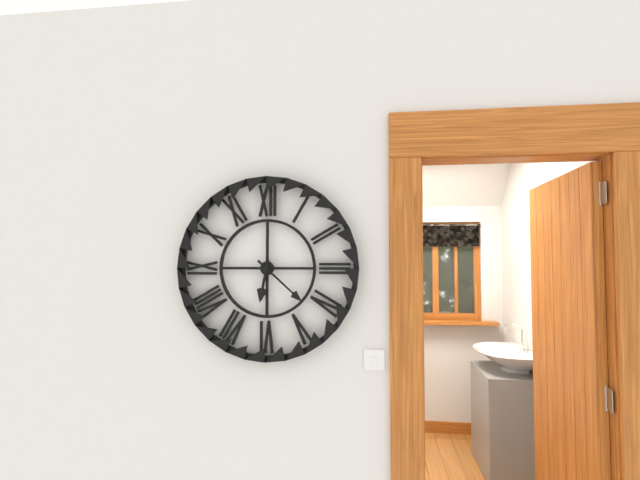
**6:22**
